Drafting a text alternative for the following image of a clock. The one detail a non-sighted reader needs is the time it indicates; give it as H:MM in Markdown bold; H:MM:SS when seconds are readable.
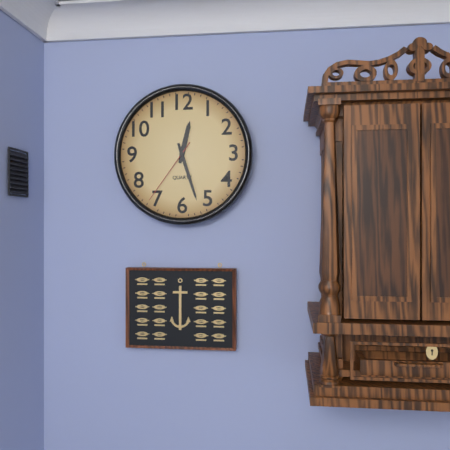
**12:27:36**
